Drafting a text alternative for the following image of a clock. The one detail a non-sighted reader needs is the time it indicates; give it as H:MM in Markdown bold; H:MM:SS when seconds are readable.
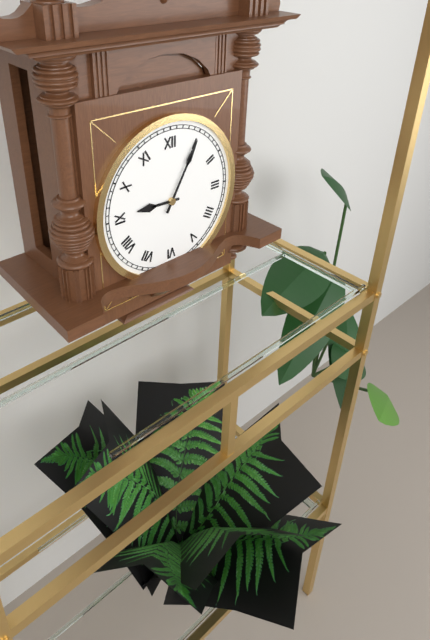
**9:05**
